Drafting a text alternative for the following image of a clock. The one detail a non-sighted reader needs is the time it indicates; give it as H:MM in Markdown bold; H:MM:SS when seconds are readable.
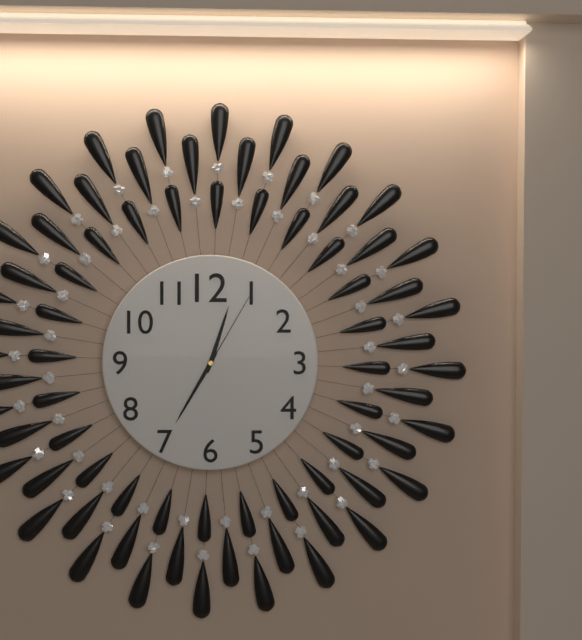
**12:35:05**
